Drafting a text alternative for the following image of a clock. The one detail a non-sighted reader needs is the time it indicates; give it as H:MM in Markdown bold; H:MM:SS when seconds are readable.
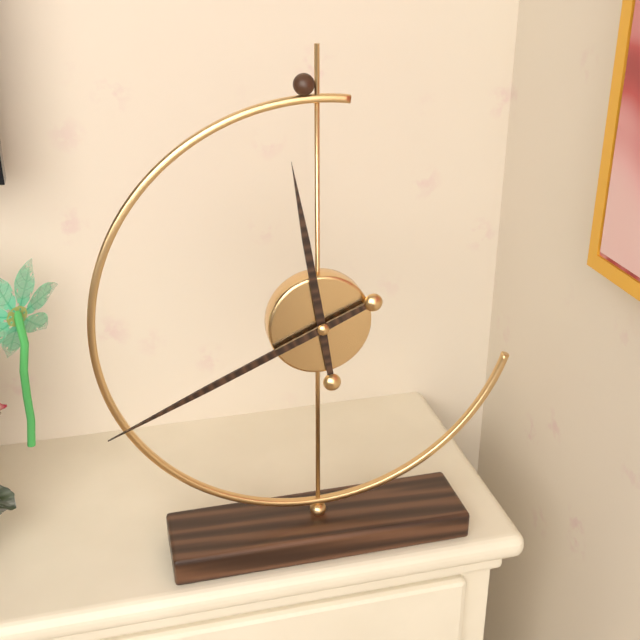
**11:41**
